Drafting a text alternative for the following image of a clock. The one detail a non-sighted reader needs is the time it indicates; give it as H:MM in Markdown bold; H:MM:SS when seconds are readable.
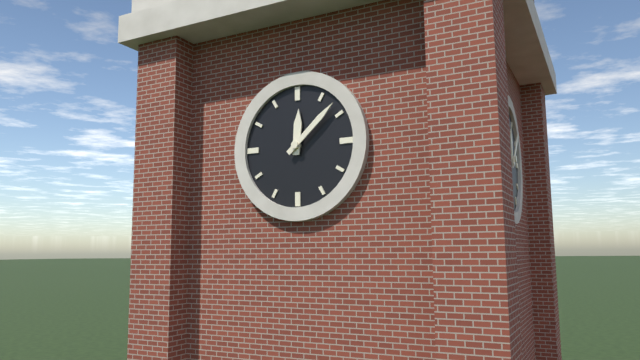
**12:08**
